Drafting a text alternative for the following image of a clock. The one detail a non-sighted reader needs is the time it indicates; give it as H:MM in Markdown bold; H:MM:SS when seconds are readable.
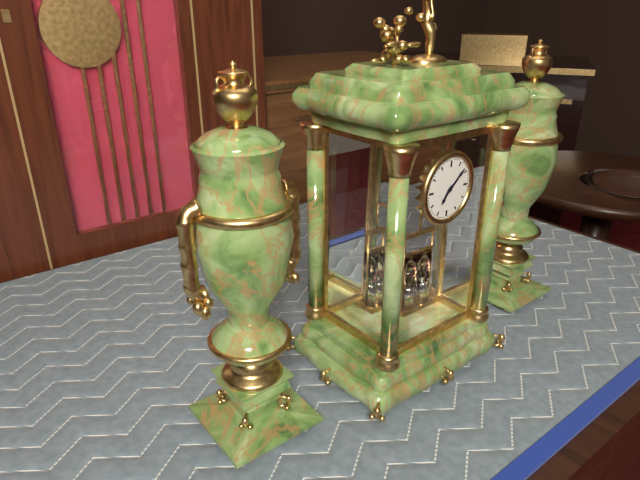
**7:08**
